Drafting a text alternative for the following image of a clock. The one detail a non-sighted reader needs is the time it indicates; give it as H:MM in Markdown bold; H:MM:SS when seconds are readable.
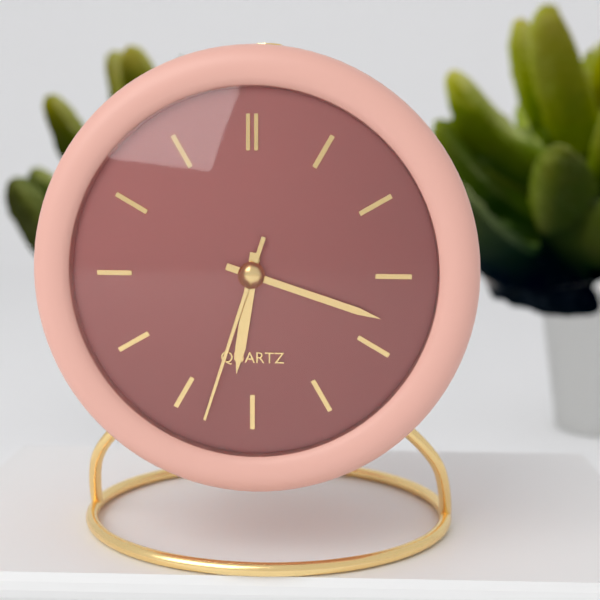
**6:18:33**
